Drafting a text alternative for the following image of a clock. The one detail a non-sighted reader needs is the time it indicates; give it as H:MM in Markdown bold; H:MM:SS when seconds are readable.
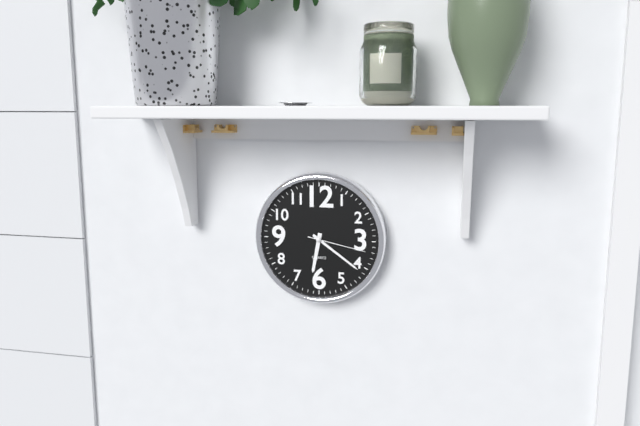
**6:21:17**
